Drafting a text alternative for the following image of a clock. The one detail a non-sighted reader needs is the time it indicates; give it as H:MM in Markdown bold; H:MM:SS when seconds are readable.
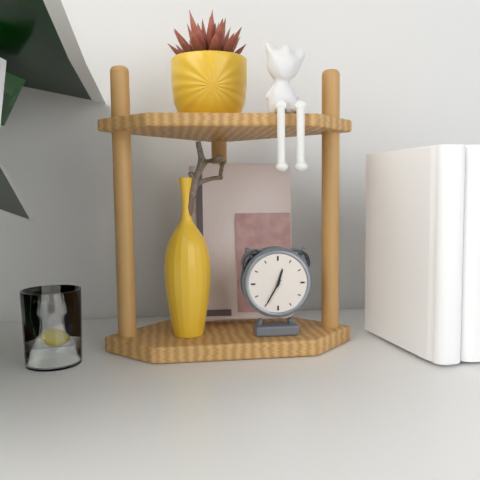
**12:35**
